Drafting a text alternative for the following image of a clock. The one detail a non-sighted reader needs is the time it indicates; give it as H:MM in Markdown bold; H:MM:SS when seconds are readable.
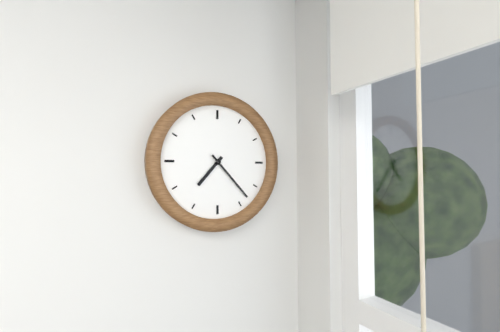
**7:23**
